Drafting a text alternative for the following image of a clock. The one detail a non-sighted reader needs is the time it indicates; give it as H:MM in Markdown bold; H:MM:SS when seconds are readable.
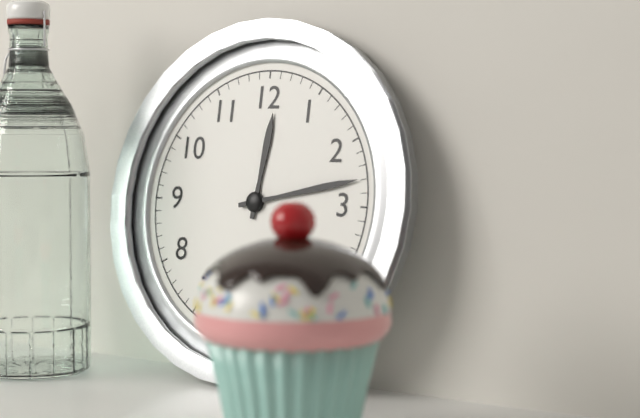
**12:13**
